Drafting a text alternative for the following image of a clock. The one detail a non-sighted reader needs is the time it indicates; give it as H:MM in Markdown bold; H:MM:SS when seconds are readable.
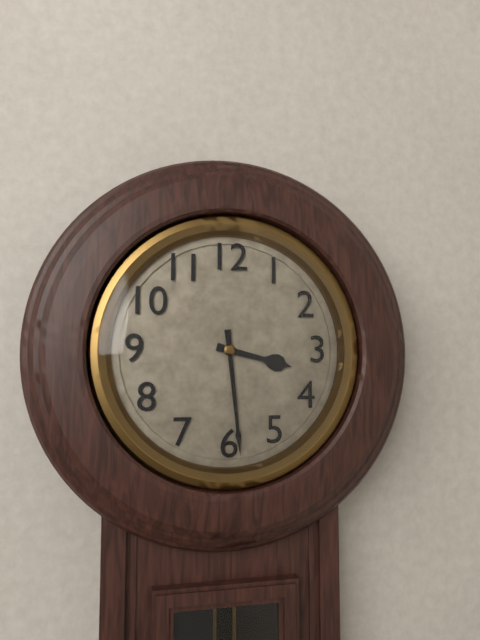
**3:29**
